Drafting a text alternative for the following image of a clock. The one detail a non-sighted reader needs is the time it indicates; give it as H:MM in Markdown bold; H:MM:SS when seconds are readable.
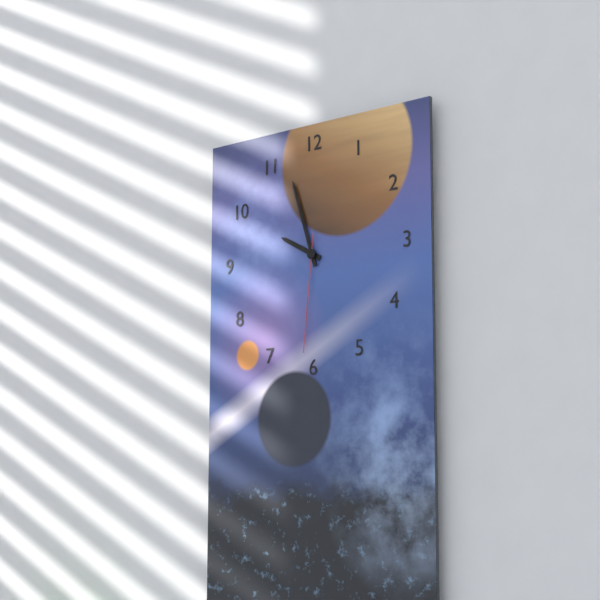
**9:57:31**
